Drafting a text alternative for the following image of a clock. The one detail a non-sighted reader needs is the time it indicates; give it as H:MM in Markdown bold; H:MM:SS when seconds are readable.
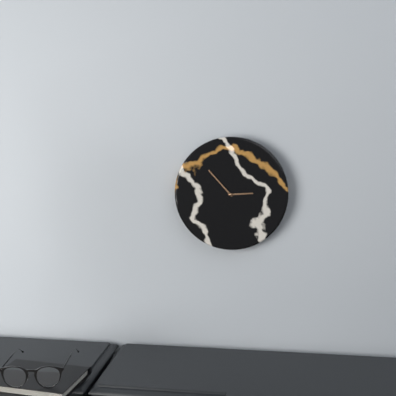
**2:53**
